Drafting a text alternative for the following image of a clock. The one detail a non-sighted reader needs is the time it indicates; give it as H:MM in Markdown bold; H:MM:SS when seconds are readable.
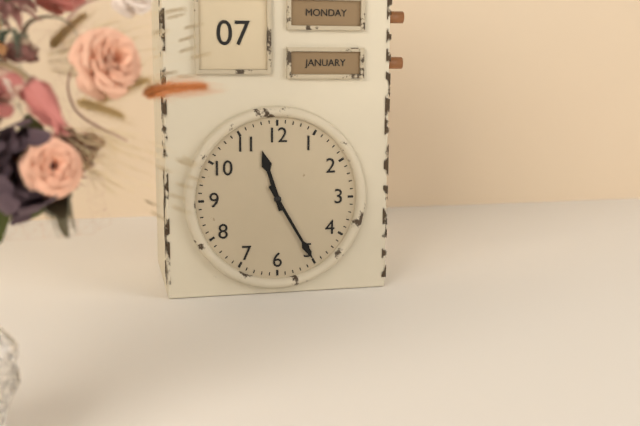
**11:25**
